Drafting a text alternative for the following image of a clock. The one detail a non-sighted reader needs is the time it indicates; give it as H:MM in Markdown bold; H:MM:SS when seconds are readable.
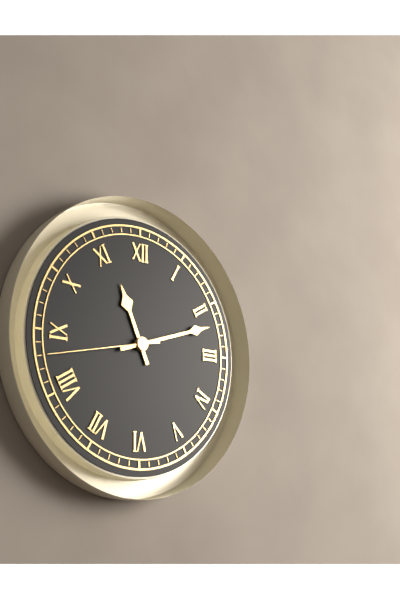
**11:12:43**
